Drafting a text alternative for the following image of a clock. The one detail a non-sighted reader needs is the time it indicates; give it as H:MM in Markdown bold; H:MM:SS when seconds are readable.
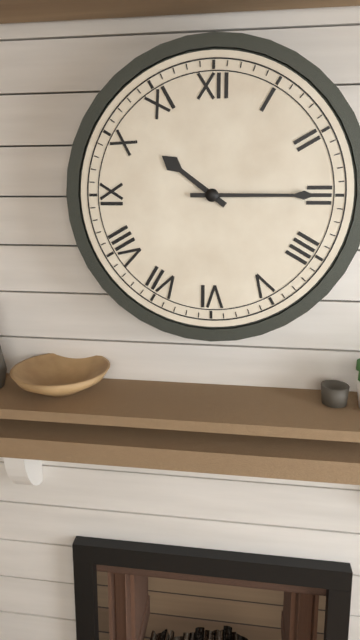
**10:15**
